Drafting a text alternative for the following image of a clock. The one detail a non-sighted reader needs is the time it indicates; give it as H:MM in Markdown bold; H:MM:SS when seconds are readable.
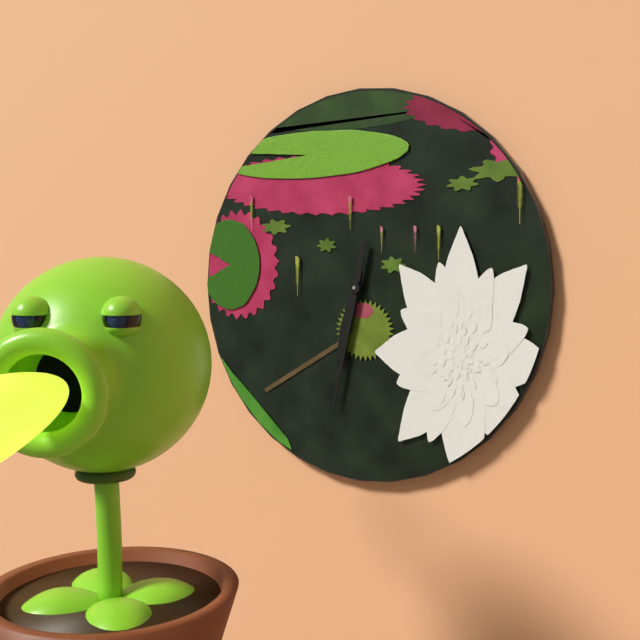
**6:32**
